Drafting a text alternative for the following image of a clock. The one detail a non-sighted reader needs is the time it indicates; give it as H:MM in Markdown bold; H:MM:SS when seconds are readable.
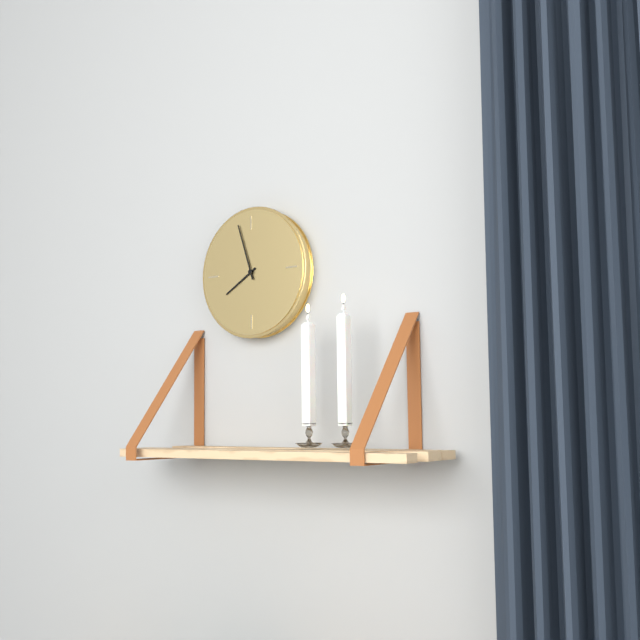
**7:57**
